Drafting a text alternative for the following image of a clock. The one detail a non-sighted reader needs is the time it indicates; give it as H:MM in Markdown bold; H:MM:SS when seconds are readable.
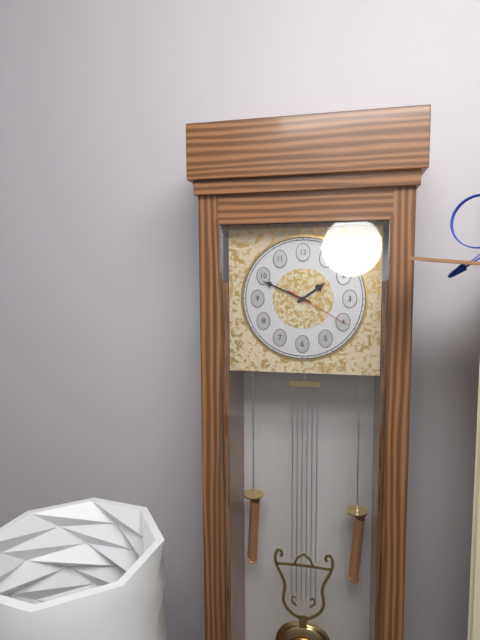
**1:49:20**
